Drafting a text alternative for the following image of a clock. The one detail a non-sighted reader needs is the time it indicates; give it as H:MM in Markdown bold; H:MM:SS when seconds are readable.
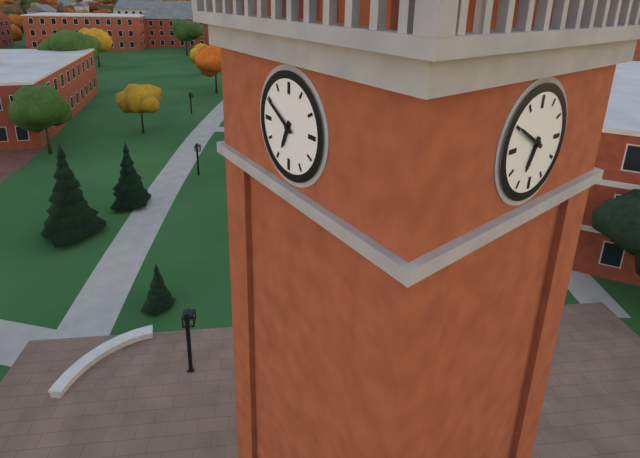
**6:50**
